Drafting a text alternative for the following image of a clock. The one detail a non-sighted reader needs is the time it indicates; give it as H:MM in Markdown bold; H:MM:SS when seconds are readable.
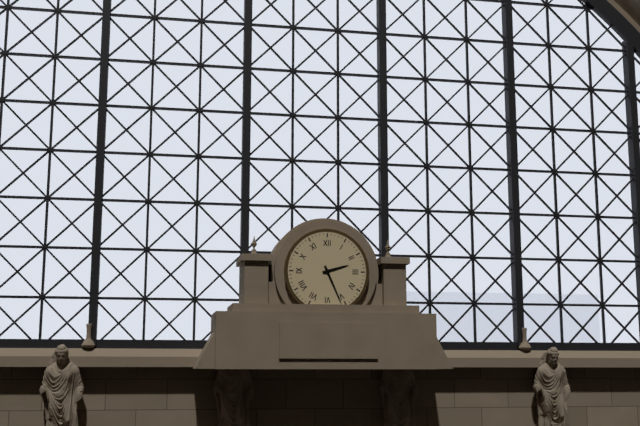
**2:26**
